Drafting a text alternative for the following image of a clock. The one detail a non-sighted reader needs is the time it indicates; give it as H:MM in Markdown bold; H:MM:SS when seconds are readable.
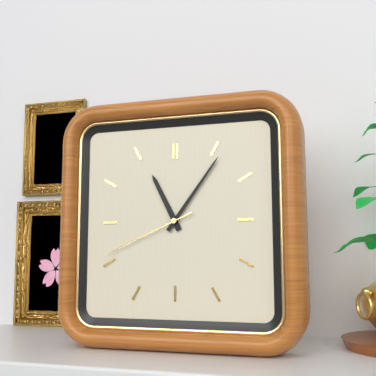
**11:06:41**
